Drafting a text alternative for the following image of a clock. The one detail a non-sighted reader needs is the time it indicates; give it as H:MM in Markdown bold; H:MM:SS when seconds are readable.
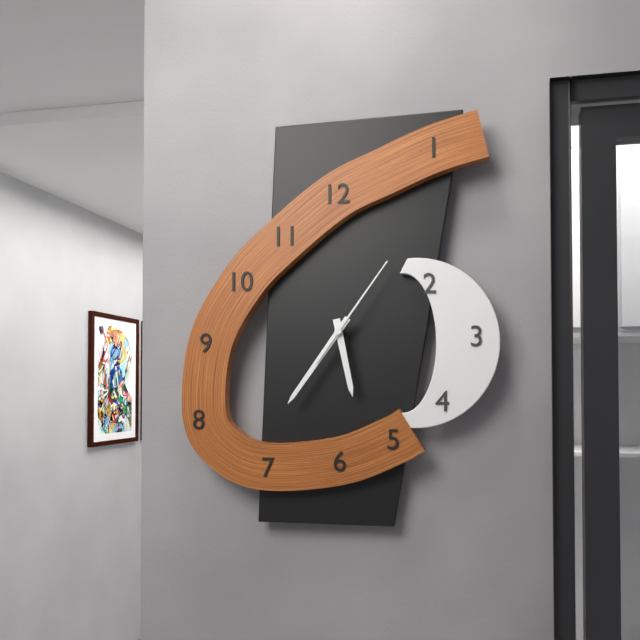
**5:36:06**
